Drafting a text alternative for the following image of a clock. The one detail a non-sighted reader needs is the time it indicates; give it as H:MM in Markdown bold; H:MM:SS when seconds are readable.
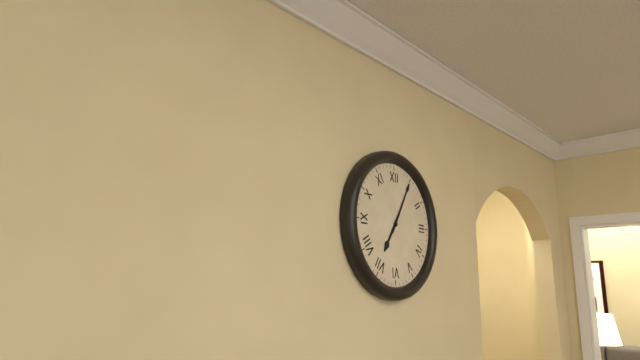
**7:05**
